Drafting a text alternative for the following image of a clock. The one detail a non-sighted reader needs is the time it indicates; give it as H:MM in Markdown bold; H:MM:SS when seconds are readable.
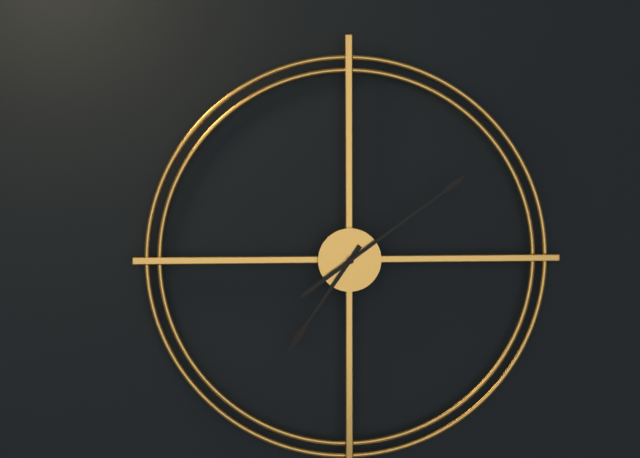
**7:09**
